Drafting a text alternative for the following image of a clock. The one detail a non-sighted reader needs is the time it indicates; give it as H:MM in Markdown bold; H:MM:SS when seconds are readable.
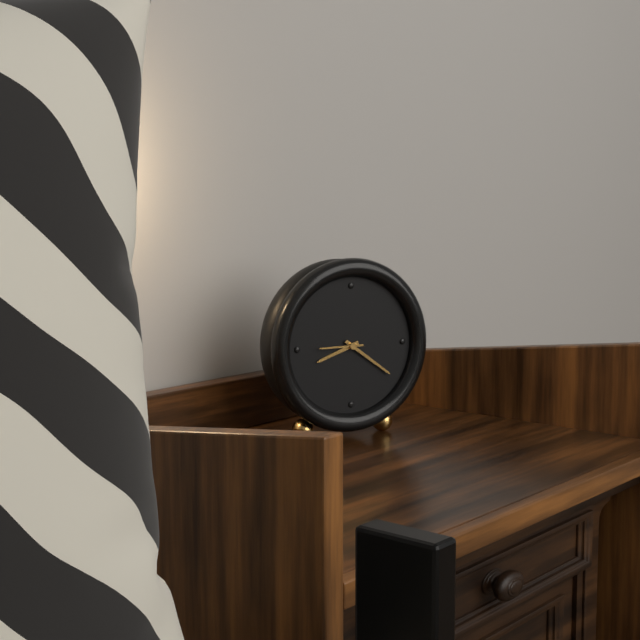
**8:21**
